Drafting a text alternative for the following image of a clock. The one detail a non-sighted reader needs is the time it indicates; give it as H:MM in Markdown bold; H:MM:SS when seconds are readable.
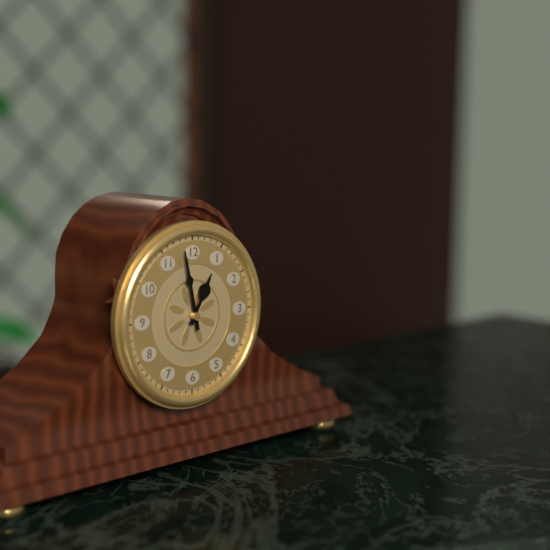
**12:58**
